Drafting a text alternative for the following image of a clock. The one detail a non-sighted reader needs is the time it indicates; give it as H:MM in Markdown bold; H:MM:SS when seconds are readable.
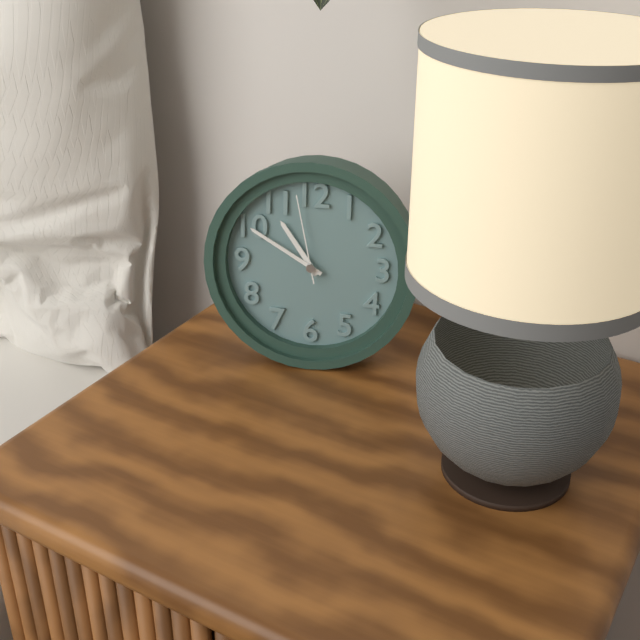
**10:50:58**
